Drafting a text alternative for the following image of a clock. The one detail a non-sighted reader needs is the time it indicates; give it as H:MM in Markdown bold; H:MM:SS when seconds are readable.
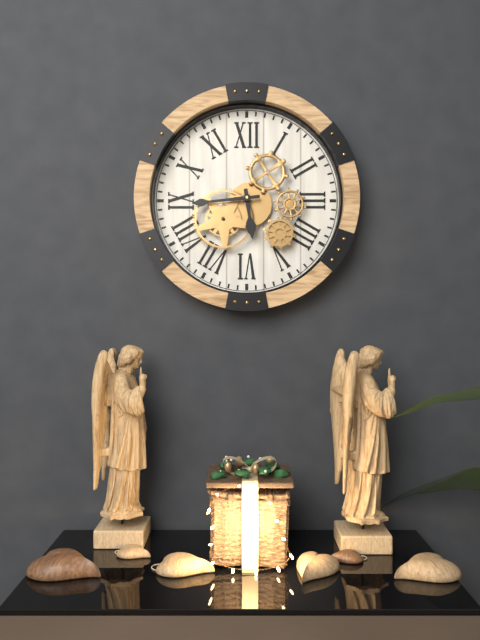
**5:44**
